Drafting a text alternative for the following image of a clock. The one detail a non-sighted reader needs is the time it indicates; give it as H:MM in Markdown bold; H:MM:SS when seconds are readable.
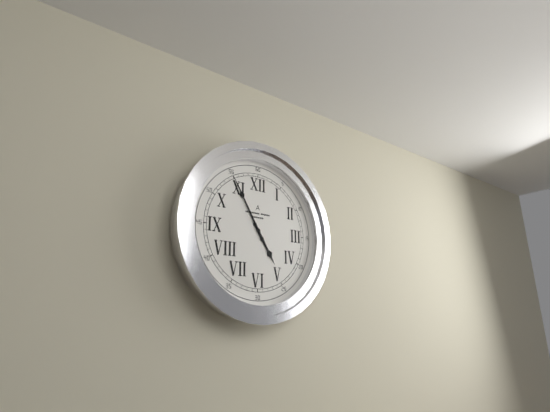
**4:55**
